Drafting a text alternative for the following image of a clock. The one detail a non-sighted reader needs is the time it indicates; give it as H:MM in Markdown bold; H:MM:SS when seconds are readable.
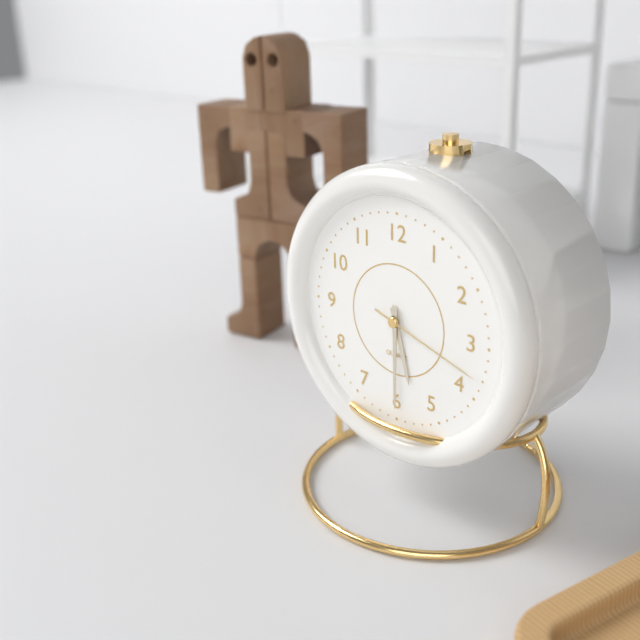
**5:30:18**
